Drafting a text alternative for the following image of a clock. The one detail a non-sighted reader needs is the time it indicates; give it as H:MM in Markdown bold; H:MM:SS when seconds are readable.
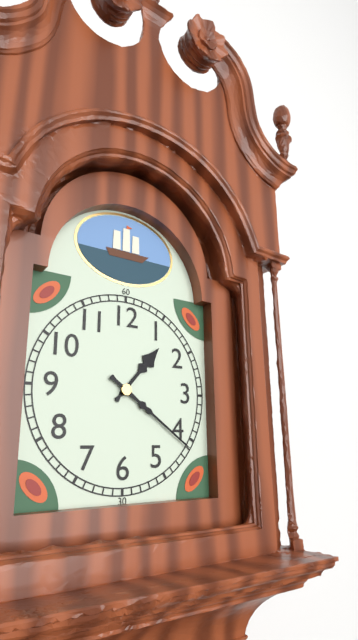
**1:21**
